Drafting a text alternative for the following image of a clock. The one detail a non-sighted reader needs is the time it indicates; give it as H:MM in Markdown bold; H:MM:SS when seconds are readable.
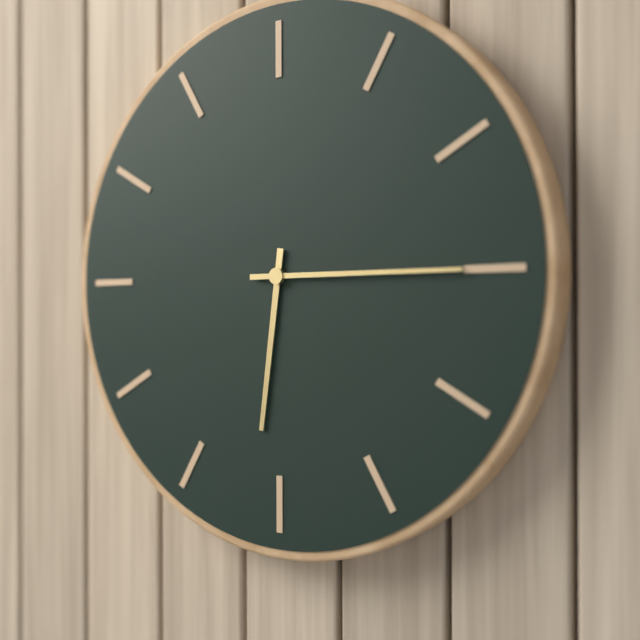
**6:15**
